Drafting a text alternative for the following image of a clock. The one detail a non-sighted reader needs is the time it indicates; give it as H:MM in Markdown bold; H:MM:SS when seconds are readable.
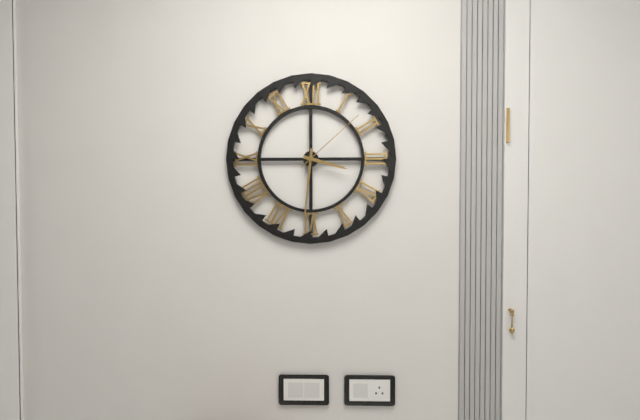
**3:31:08**
